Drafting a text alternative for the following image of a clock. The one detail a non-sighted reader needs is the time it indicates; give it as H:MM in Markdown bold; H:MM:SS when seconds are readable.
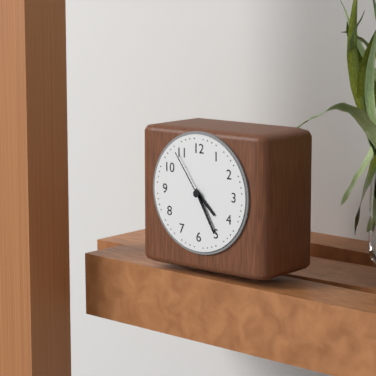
**4:25:54**
